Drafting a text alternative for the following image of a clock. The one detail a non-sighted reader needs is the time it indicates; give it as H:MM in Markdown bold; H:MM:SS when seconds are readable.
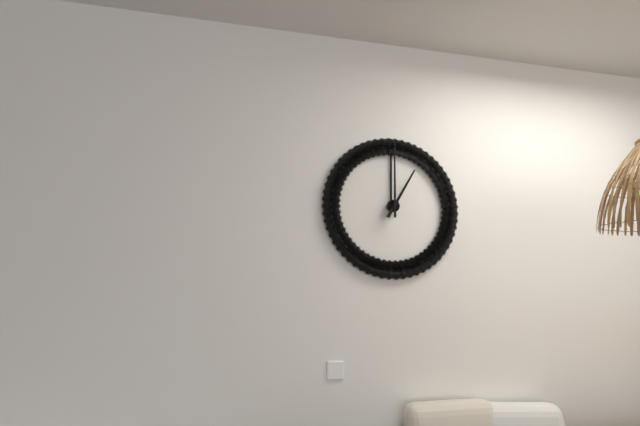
**1:00**
